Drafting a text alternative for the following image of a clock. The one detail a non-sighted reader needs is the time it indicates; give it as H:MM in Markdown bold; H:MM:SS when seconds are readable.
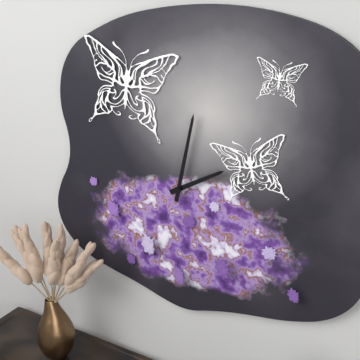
**2:02**
